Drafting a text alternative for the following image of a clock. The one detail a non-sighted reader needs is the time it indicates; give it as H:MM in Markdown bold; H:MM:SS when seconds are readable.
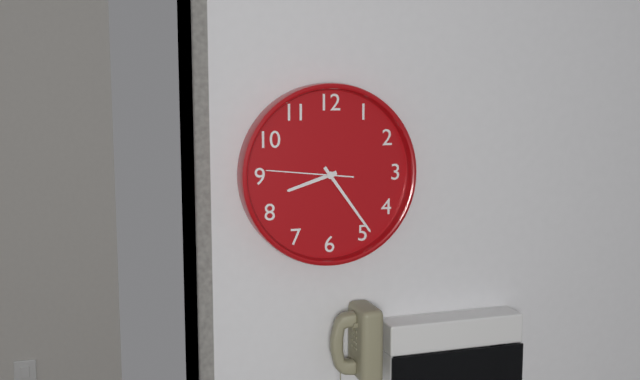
**8:24:46**
